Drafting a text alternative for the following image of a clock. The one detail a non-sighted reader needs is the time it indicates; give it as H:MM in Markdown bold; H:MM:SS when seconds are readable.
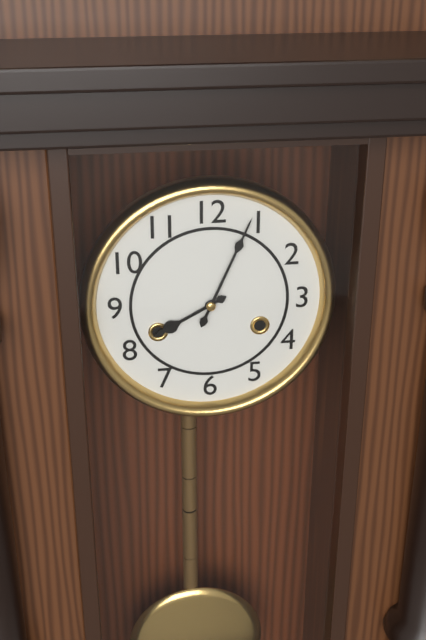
**8:04**
